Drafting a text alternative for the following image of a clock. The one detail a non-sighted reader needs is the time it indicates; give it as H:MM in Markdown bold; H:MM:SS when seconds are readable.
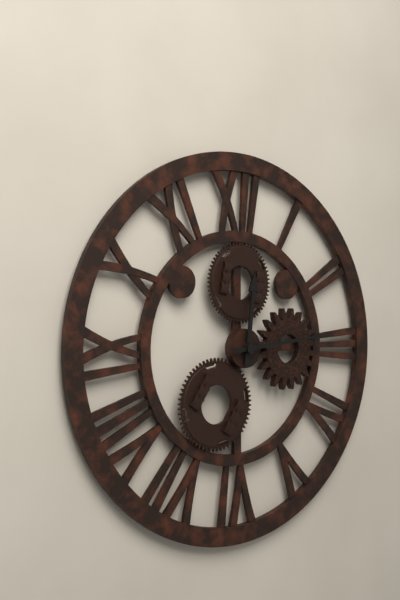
**12:14**
